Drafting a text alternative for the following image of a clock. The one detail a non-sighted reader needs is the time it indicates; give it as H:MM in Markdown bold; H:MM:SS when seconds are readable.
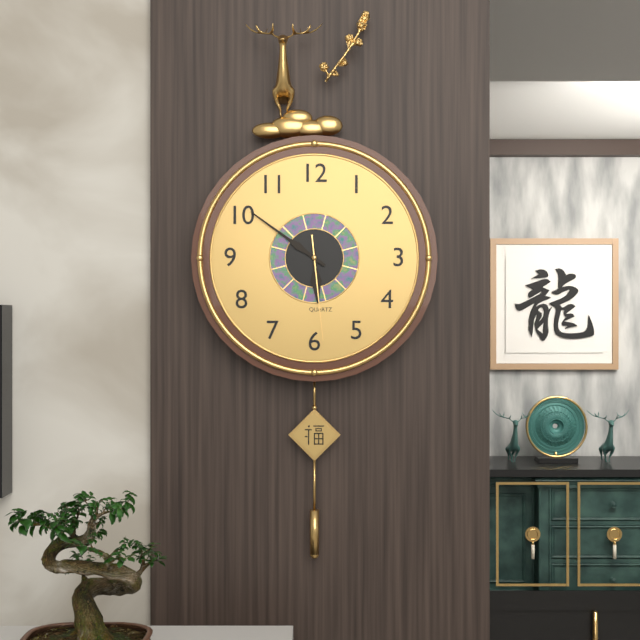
**5:51:29**
